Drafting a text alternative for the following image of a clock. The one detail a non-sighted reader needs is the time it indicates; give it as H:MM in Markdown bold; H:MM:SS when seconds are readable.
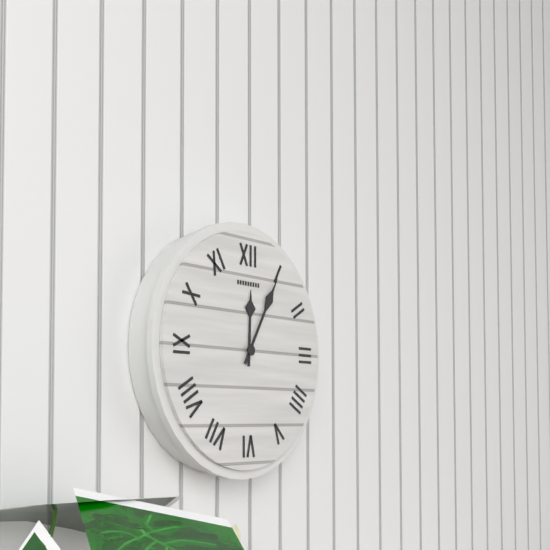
**12:05**
